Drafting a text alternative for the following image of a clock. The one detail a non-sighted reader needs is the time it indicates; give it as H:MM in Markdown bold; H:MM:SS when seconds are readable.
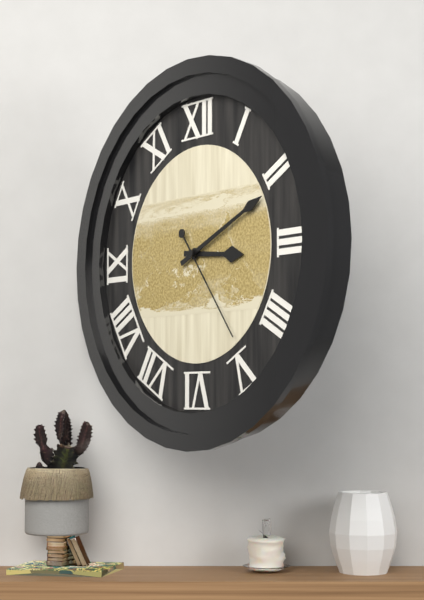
**3:11:24**
